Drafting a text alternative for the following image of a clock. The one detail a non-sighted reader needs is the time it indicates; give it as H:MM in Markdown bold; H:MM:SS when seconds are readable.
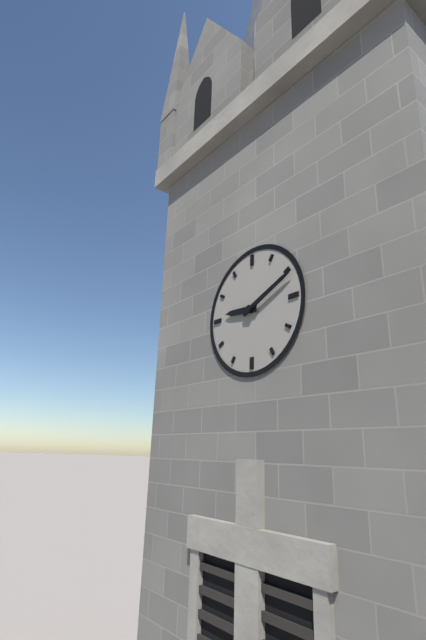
**9:11**
